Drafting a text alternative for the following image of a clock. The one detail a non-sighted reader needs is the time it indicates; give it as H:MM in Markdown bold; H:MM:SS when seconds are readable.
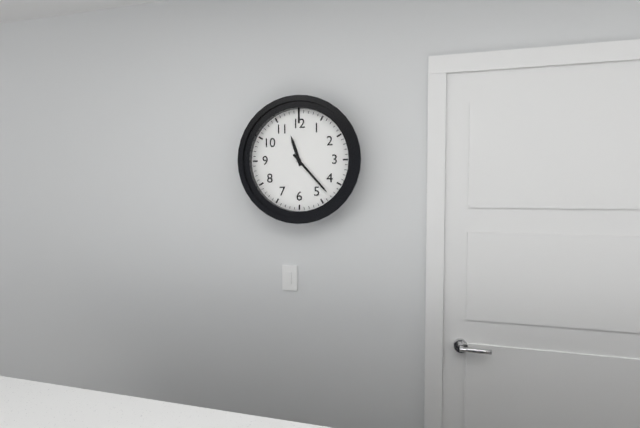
**11:23**
